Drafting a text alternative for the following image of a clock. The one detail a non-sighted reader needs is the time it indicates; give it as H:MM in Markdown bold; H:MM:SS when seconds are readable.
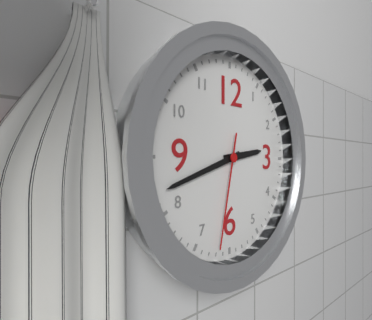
**2:42:32**
